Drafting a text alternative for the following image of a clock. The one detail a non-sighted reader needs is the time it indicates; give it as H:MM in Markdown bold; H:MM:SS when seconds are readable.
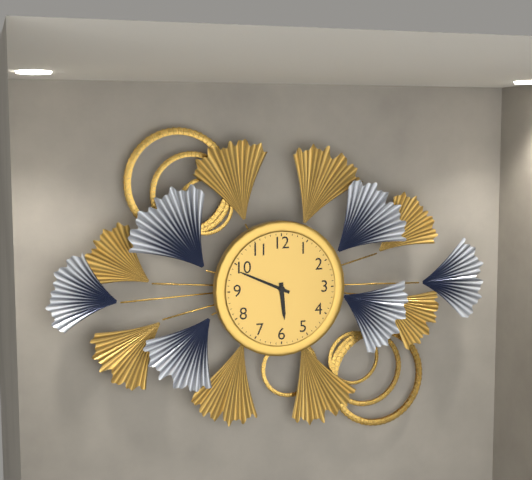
**5:49**
